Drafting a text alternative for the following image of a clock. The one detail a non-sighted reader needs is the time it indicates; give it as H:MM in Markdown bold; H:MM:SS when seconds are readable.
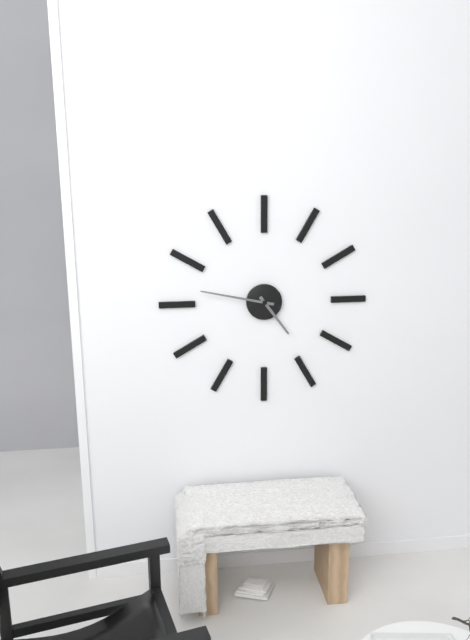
**4:47**
